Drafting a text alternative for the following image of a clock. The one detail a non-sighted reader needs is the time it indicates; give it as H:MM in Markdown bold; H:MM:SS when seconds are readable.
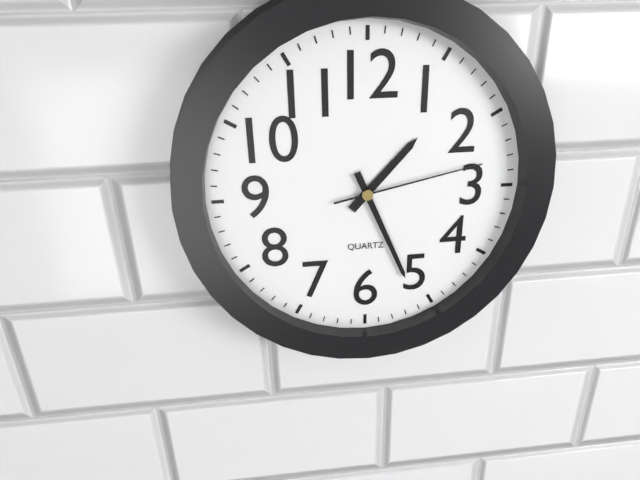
**1:26:13**
